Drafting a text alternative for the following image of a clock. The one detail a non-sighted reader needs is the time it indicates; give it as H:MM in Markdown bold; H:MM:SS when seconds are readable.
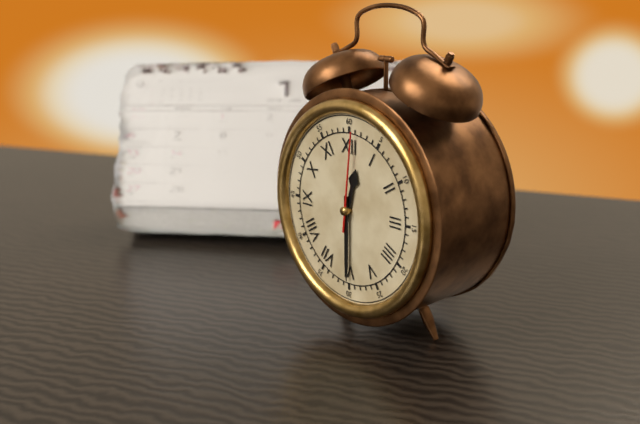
**12:30:01**
